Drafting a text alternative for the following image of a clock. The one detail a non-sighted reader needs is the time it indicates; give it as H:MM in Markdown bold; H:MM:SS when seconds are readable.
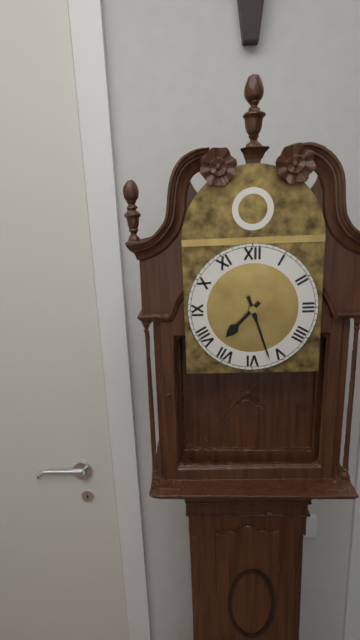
**7:27**
